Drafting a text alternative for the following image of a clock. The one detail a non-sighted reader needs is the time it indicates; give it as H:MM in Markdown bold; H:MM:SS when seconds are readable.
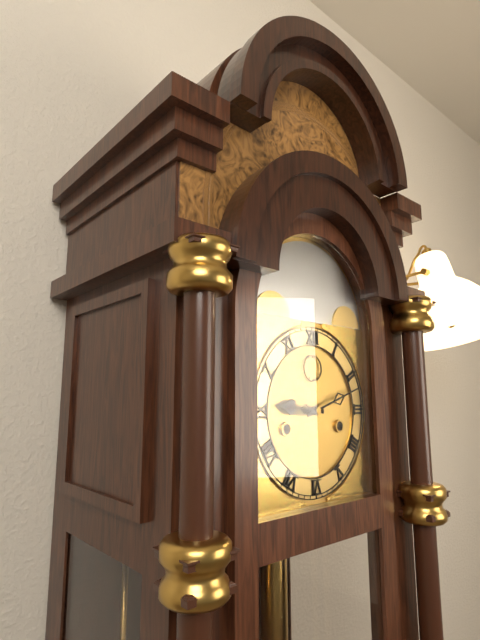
**9:12**
